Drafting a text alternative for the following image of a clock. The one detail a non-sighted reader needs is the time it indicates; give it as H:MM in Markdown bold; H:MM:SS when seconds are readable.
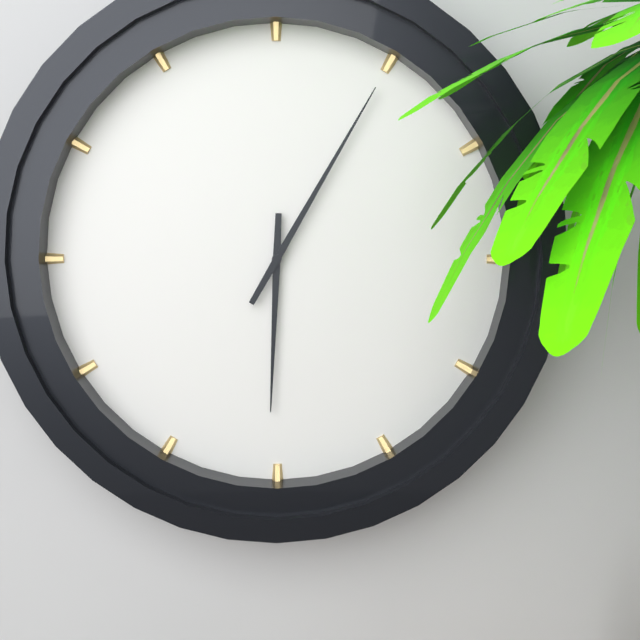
**6:05**
